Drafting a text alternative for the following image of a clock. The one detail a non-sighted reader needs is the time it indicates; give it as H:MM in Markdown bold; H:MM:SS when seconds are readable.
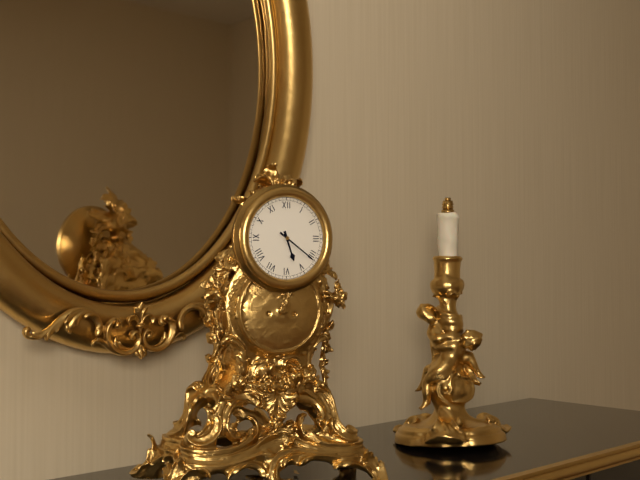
**5:21**
